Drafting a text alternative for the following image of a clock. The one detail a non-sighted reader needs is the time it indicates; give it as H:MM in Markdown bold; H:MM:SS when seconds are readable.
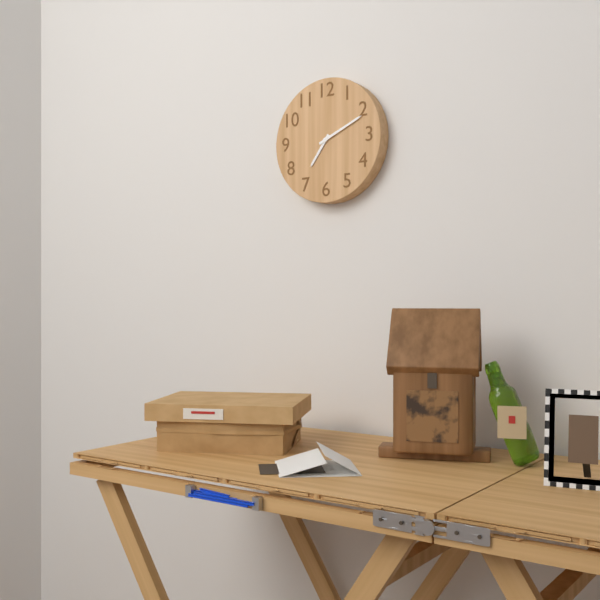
**7:11**
